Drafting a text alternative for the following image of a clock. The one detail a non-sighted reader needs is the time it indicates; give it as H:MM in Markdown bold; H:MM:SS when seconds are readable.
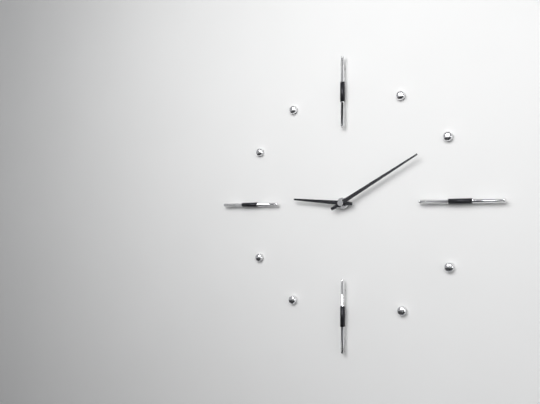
**9:10**
